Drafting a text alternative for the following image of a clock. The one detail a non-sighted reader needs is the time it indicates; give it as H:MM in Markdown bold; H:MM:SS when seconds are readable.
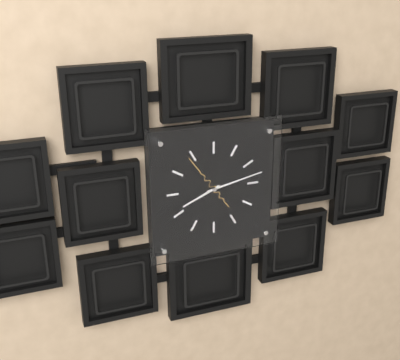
**8:13:54**
